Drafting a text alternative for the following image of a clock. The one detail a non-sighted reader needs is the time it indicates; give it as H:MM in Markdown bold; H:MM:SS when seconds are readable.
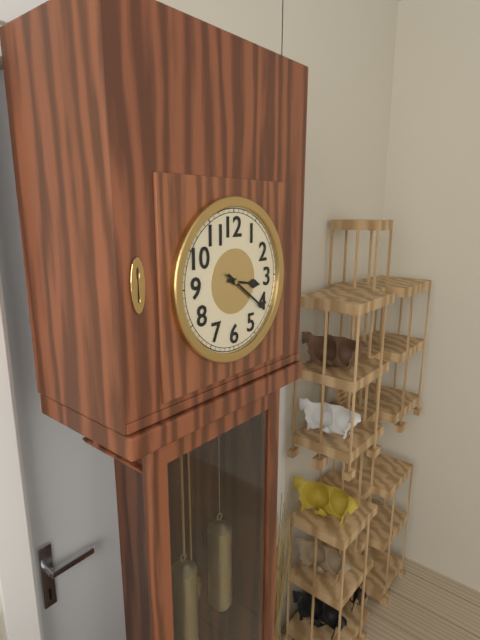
**3:21**
